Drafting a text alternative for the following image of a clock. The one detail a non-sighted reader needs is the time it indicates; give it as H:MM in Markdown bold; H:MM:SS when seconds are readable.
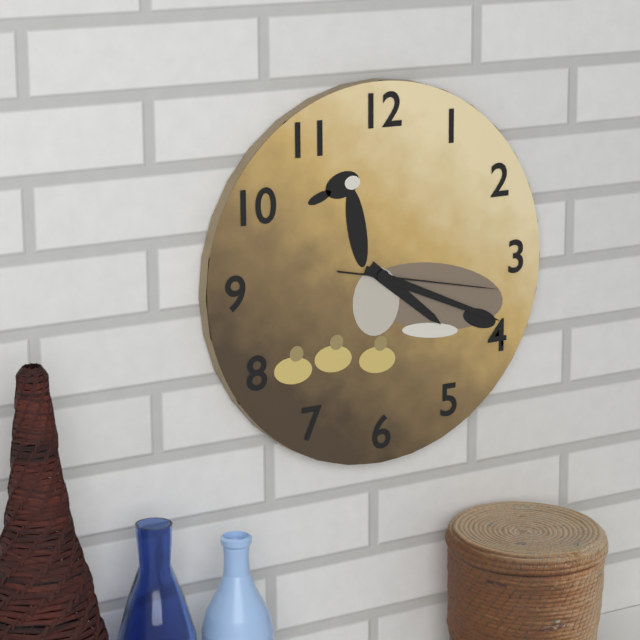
**4:19:17**
